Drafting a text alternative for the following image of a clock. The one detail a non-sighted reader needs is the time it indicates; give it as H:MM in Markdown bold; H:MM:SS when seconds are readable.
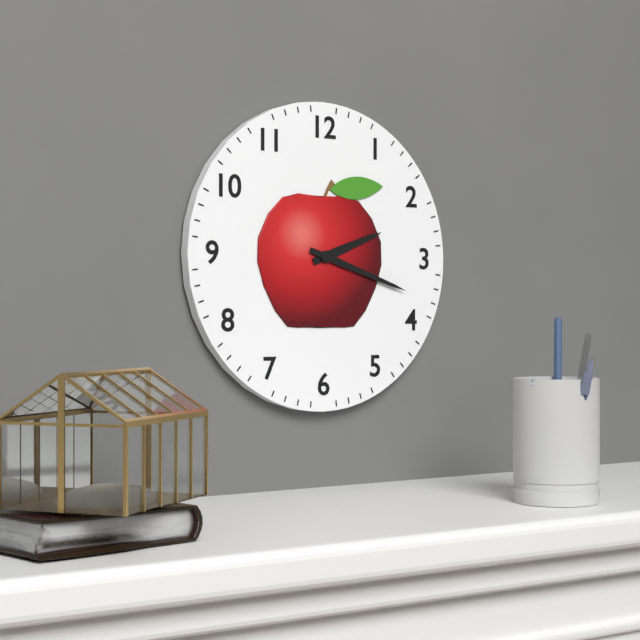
**2:18**
